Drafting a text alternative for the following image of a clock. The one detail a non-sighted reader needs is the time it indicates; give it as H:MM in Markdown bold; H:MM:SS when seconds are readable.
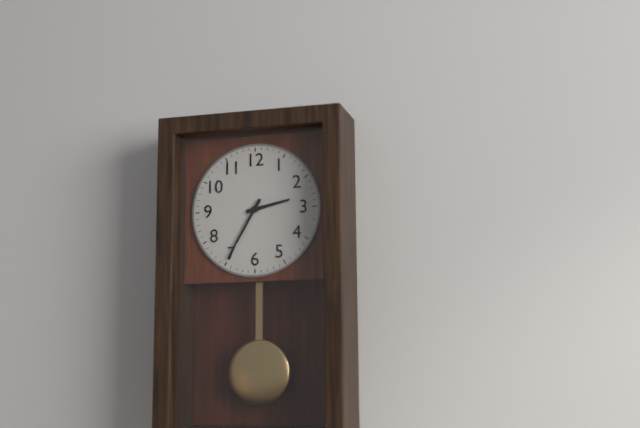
**2:35**
